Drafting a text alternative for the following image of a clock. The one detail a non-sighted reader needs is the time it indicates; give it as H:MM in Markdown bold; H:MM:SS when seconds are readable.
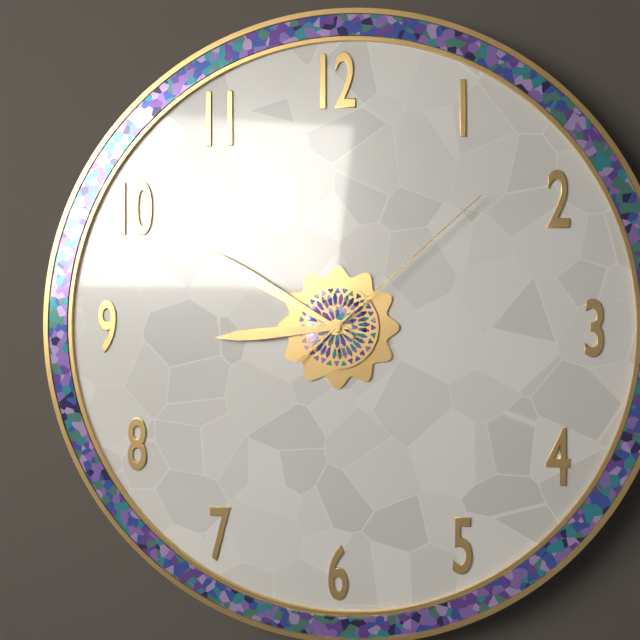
**8:50:08**
